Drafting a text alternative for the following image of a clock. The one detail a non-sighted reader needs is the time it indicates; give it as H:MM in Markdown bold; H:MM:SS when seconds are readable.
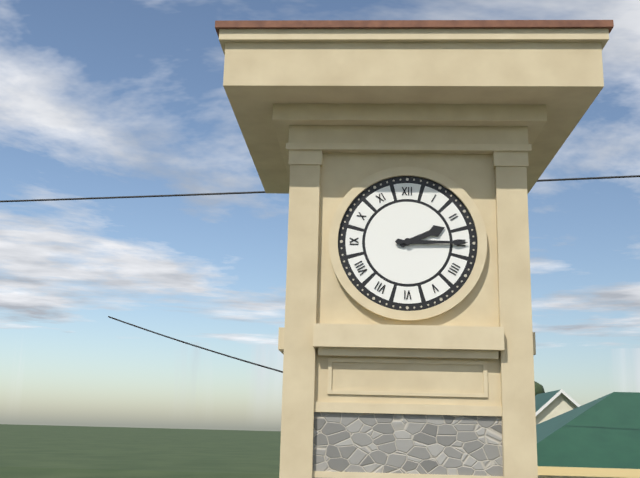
**2:15**
